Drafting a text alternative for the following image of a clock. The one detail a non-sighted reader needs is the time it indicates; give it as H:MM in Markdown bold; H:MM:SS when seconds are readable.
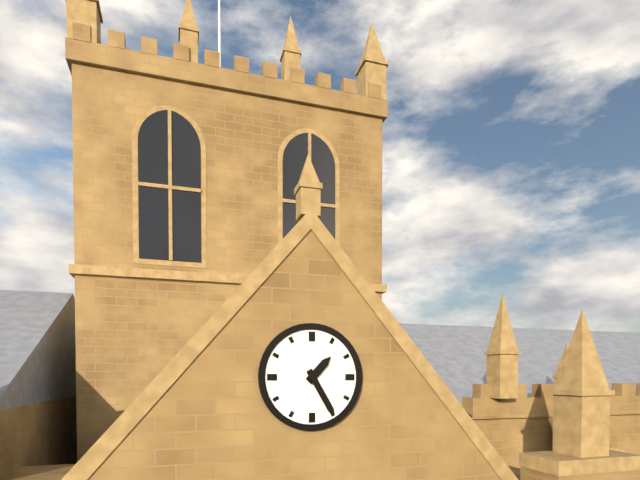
**1:25**
